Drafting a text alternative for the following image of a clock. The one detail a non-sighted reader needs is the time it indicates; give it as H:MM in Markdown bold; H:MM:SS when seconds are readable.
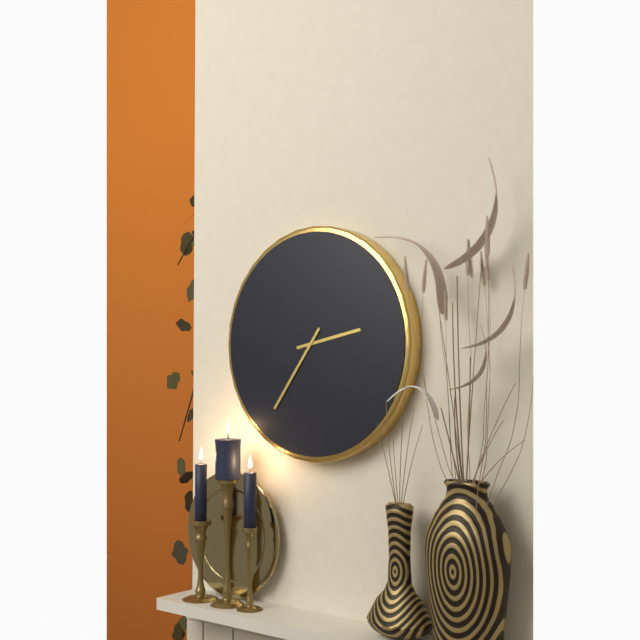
**2:36**
